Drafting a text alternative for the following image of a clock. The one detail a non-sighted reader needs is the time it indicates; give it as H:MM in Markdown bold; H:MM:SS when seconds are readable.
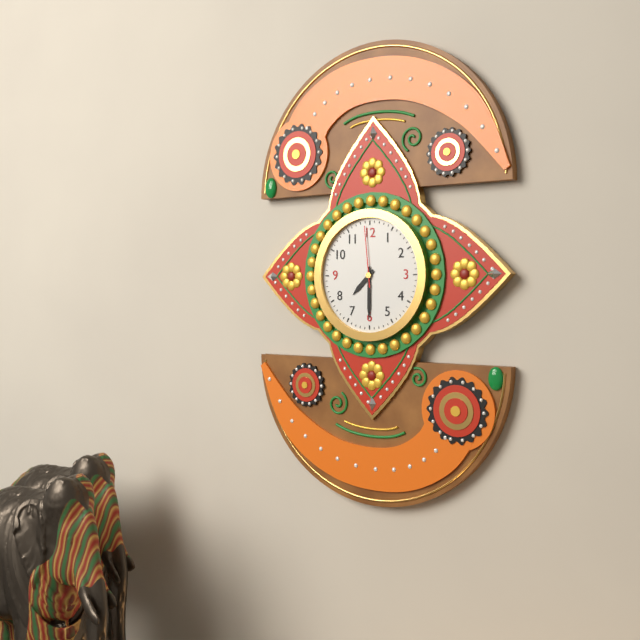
**7:30:59**
